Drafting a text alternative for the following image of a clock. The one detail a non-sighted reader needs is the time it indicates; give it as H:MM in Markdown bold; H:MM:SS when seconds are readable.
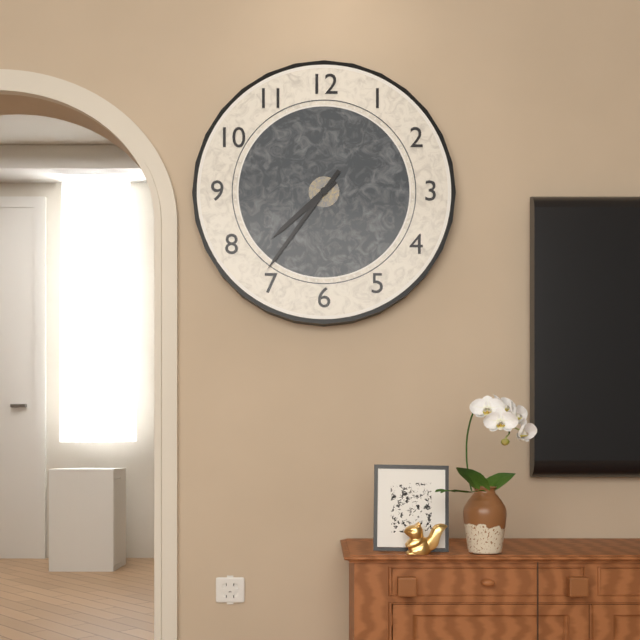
**7:36**
